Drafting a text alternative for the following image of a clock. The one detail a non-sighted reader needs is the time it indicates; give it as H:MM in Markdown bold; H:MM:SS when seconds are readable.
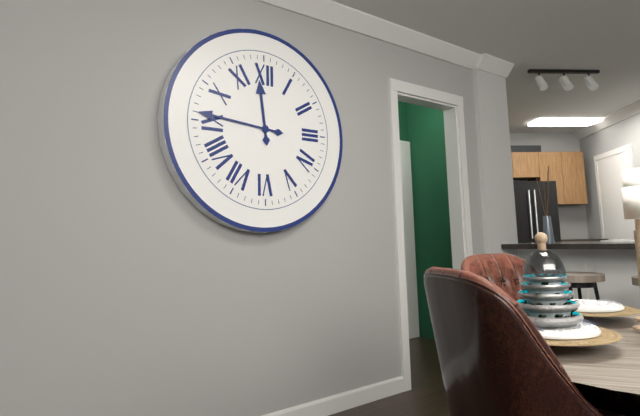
**11:46**
